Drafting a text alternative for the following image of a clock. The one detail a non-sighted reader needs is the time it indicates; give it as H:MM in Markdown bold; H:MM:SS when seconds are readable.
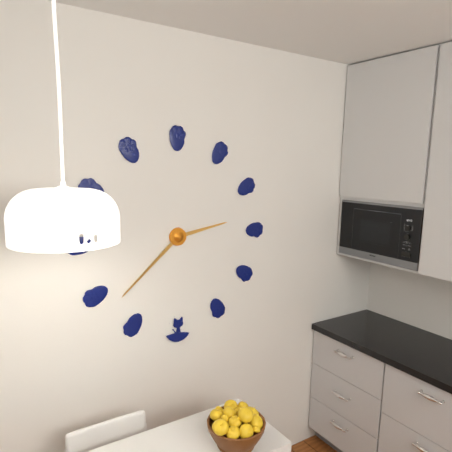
**2:38**
